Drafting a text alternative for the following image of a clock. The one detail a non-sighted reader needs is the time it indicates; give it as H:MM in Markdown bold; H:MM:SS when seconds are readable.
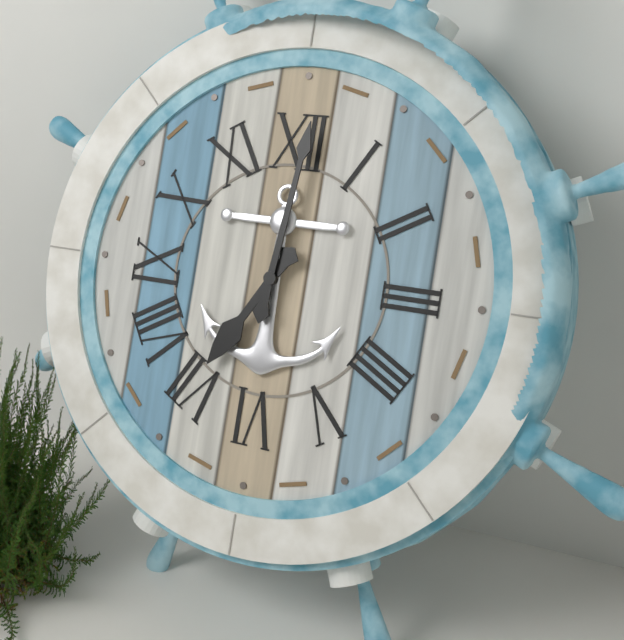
**7:01**
